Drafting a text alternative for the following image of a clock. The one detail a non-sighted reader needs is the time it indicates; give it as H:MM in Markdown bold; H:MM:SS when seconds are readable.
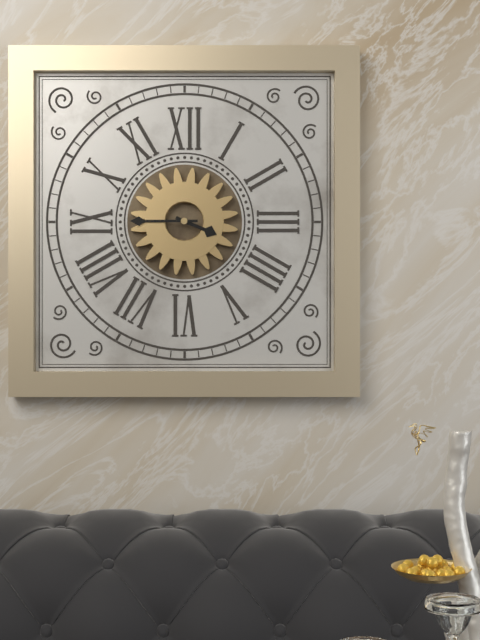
**3:45**
